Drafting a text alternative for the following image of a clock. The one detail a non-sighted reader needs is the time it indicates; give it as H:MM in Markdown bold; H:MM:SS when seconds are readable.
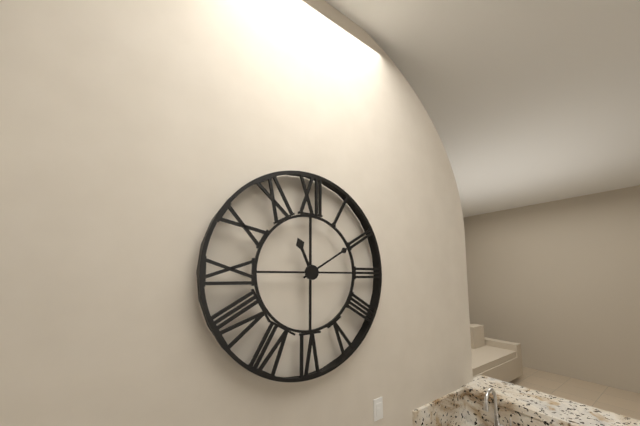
**11:10**
